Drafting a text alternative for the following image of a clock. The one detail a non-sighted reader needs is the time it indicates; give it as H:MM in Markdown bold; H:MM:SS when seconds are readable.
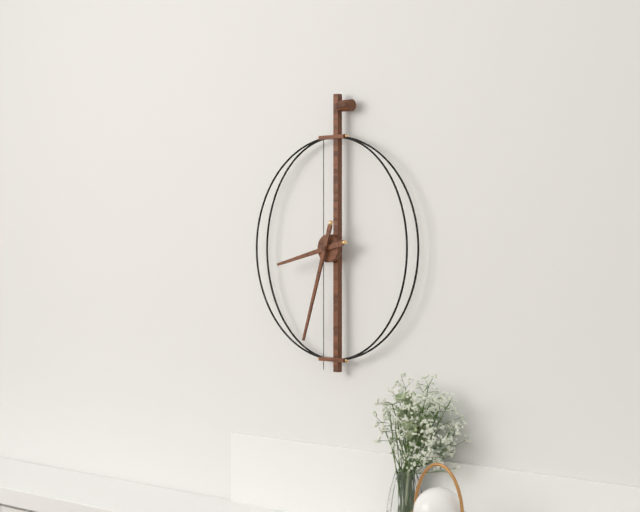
**8:33**
